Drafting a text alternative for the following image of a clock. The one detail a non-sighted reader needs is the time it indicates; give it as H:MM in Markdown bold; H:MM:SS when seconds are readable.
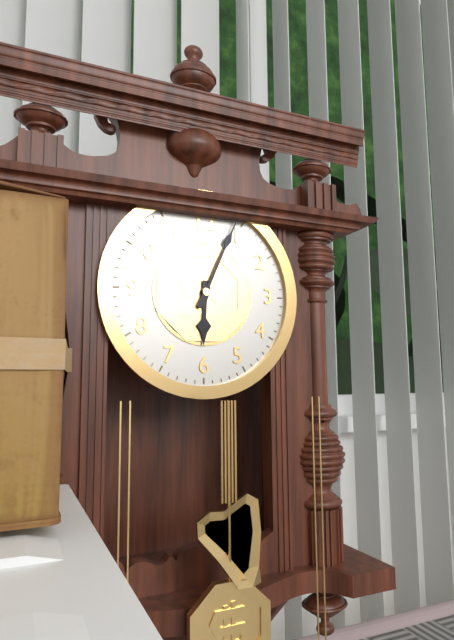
**6:04**
